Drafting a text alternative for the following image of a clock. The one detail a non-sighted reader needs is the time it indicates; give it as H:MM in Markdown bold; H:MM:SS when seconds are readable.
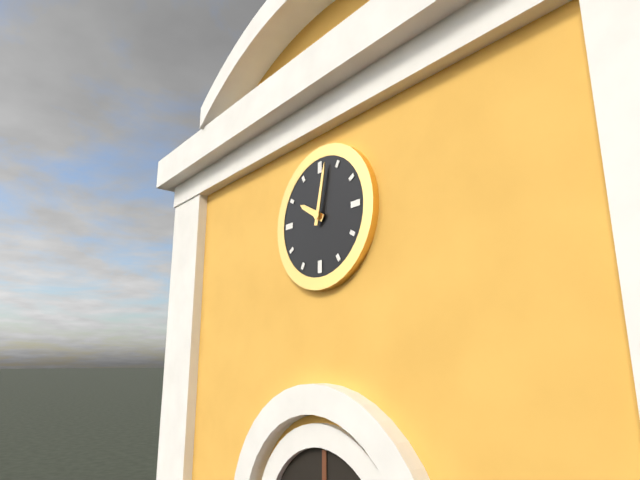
**10:02**
